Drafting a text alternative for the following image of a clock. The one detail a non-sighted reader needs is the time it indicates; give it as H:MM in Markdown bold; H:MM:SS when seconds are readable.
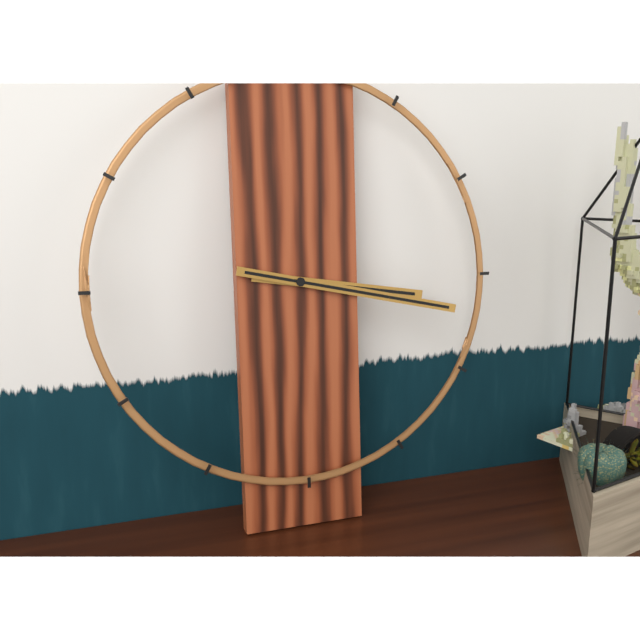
**3:17**
